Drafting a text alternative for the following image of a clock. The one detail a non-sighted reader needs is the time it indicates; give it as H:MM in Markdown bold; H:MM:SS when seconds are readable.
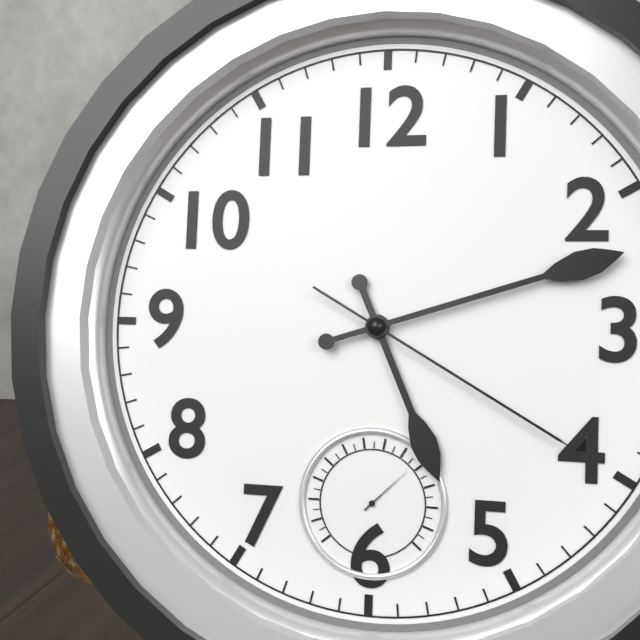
**5:12:20**
